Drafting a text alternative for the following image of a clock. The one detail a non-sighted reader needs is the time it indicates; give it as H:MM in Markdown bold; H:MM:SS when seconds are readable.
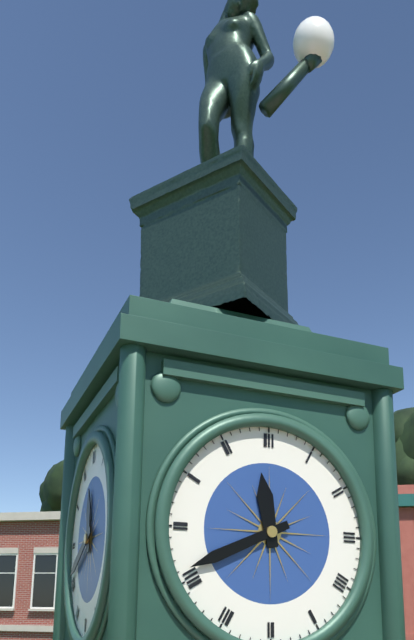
**11:41**
